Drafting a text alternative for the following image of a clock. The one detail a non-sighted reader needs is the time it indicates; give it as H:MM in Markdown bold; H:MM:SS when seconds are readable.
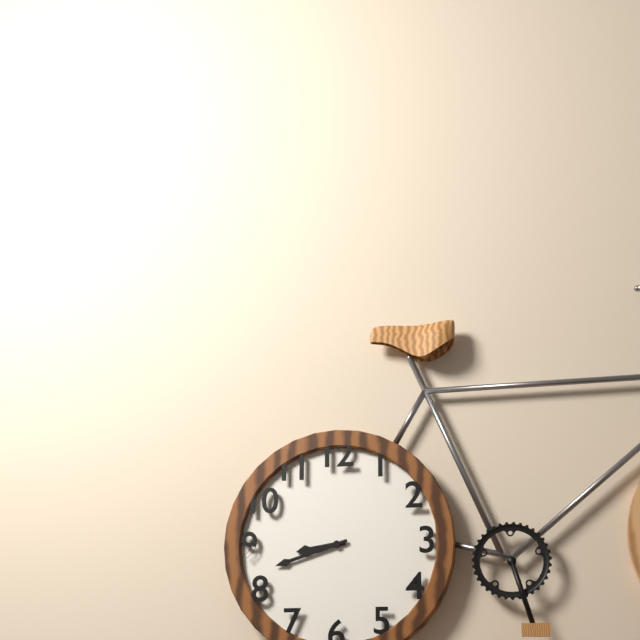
**8:42**
